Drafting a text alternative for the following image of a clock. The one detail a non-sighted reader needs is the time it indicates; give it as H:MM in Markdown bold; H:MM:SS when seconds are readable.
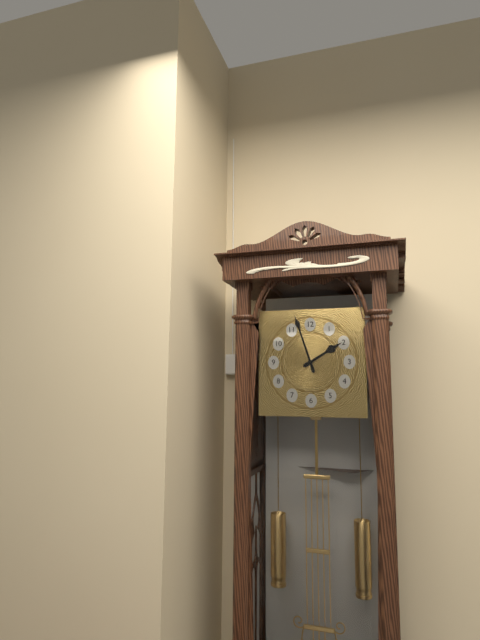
**1:57**
